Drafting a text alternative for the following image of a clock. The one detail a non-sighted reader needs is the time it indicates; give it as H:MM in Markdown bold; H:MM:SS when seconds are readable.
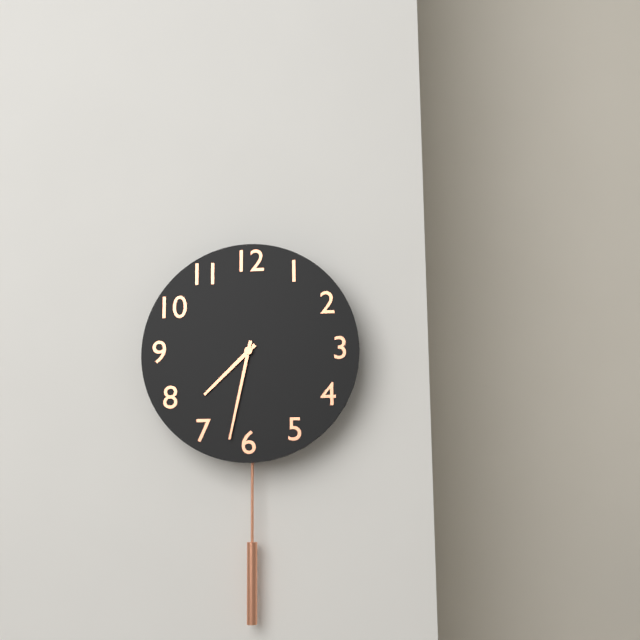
**7:32**
